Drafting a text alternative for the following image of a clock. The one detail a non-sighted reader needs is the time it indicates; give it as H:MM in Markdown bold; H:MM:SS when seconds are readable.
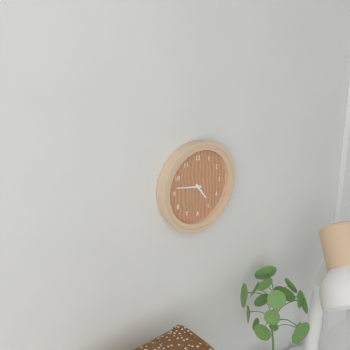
**4:47**
